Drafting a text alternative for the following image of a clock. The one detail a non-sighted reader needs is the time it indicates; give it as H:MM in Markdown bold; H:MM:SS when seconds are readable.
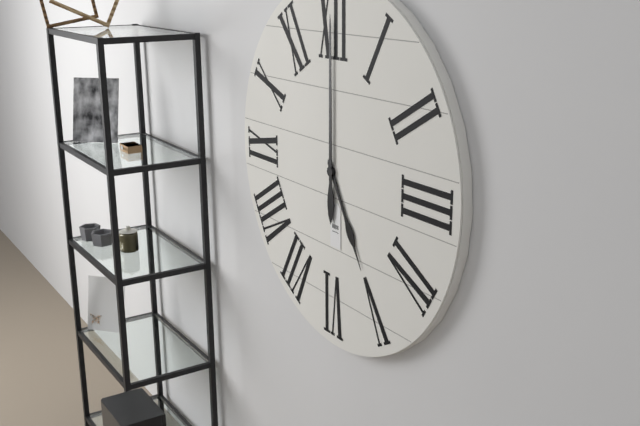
**5:00**
